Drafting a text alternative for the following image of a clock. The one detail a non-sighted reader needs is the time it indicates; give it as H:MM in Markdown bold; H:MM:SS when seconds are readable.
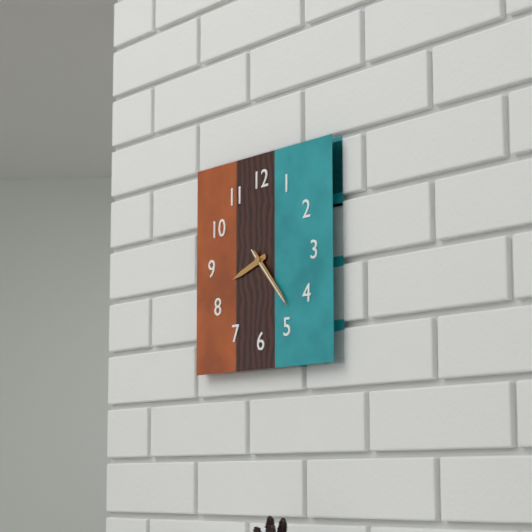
**8:23:23**
